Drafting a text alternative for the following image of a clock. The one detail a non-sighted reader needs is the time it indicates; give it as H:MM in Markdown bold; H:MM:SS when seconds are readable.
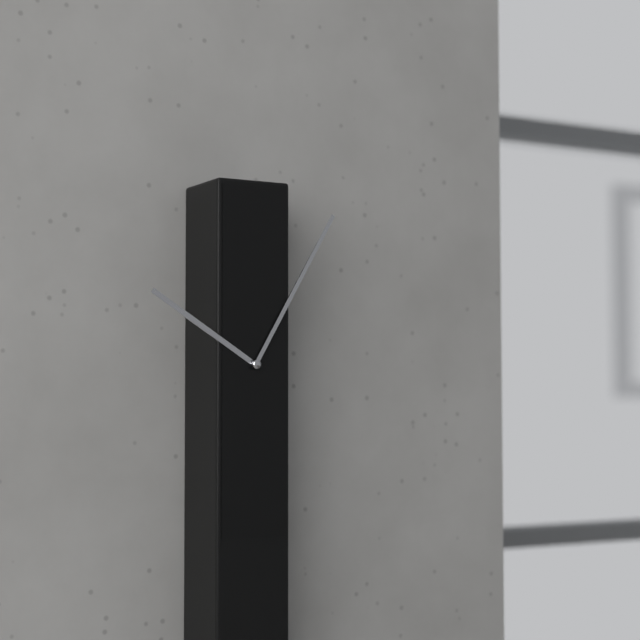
**10:05**
